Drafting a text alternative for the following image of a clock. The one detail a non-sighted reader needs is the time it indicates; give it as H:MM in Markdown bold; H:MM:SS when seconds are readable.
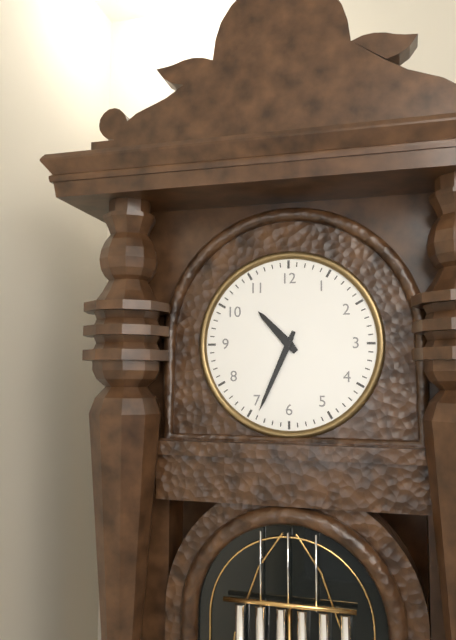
**10:34**
